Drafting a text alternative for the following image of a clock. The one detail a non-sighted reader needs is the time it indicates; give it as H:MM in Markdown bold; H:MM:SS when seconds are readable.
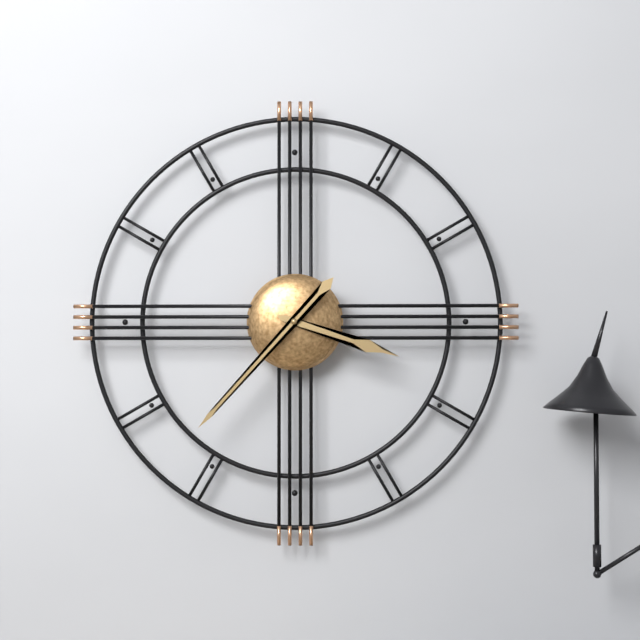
**3:37**
